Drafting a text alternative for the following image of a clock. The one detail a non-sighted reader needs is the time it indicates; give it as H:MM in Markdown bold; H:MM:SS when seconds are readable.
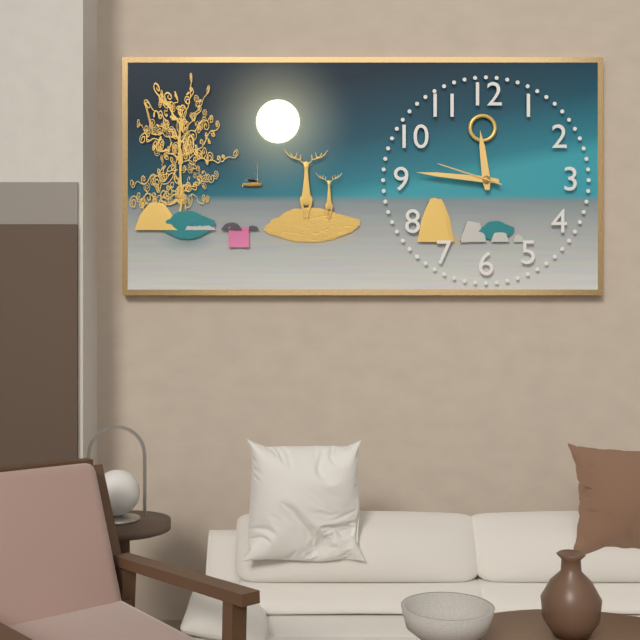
**11:46:48**
